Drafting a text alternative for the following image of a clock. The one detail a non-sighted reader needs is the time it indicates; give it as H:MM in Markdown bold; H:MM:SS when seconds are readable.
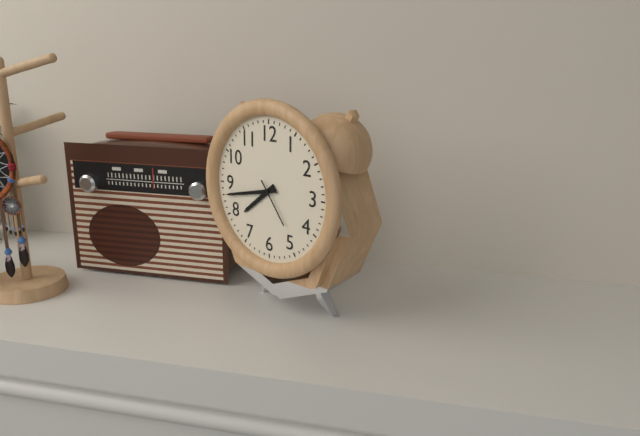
**7:43**
